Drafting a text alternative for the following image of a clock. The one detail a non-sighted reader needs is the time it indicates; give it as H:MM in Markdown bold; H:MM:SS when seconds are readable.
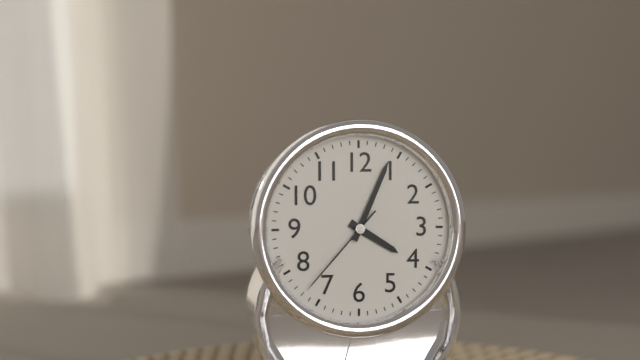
**4:04:37**
